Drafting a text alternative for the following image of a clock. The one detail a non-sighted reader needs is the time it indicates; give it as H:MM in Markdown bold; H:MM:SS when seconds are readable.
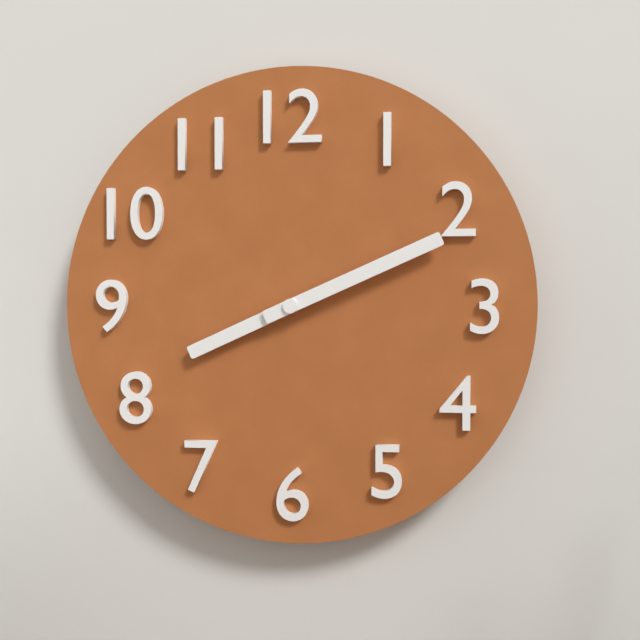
**8:11**
